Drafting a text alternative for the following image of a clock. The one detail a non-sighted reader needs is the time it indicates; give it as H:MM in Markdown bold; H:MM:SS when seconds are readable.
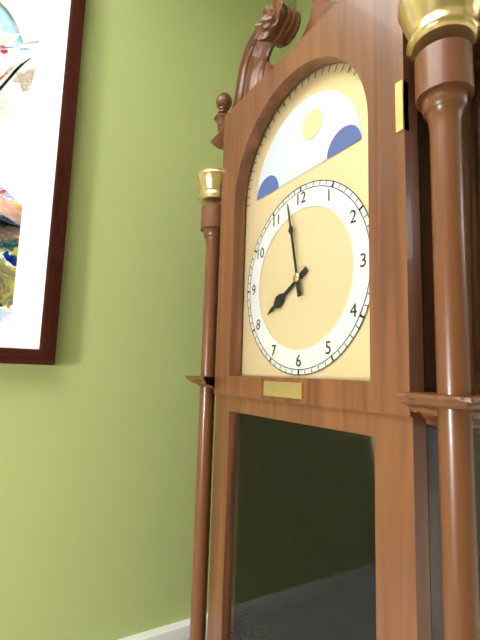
**7:58**
